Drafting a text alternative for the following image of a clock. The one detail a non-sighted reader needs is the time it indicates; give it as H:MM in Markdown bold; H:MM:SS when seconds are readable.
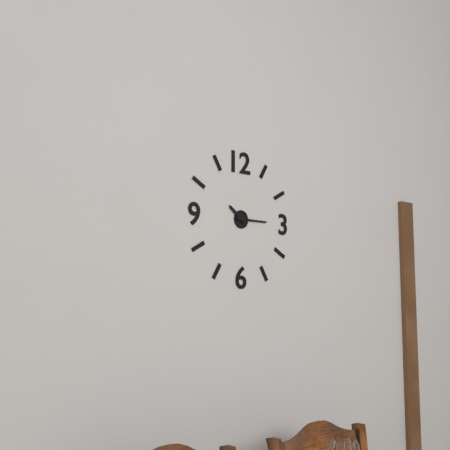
**10:15**
